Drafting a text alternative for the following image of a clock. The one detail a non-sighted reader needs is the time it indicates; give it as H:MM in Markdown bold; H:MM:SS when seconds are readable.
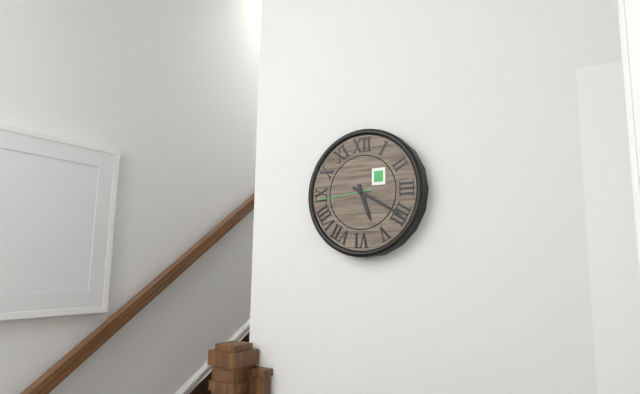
**5:20:44**
